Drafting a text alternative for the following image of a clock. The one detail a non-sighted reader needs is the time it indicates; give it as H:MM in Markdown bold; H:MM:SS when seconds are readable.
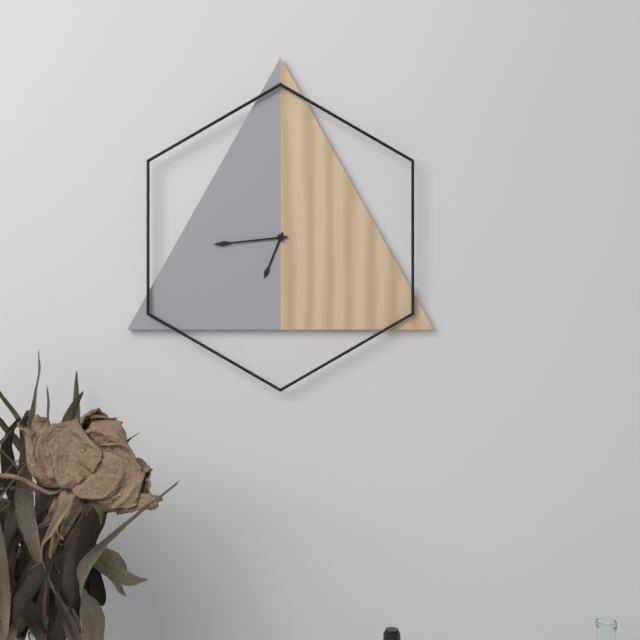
**6:44**
